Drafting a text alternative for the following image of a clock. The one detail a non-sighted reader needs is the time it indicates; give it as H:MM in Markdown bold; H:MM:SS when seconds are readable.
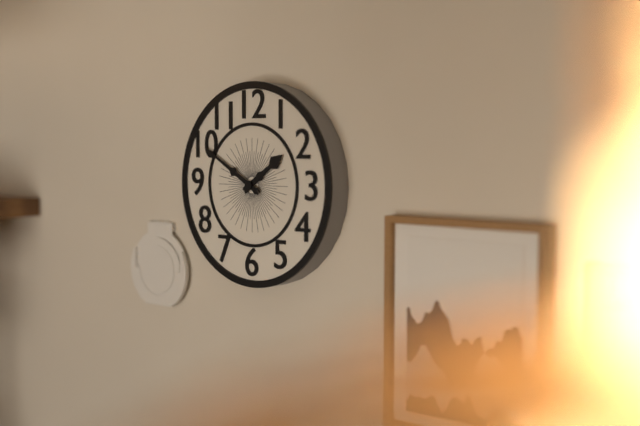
**1:50**
